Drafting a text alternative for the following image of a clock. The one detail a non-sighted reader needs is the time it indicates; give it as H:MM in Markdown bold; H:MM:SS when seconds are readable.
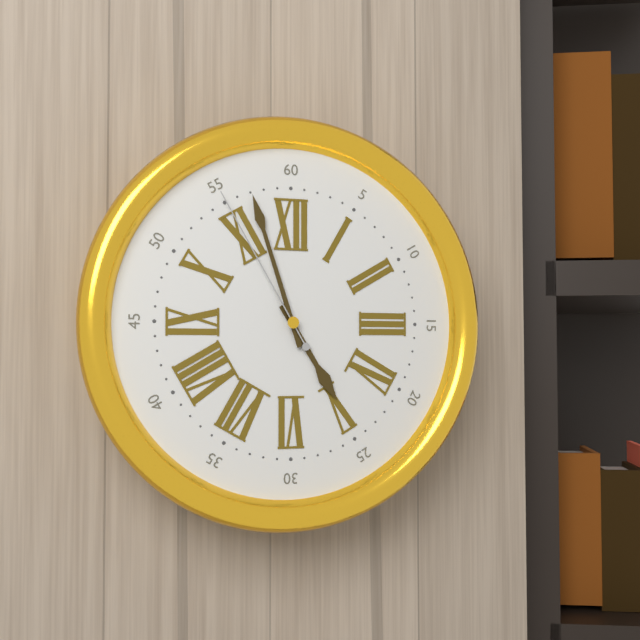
**4:57:55**
